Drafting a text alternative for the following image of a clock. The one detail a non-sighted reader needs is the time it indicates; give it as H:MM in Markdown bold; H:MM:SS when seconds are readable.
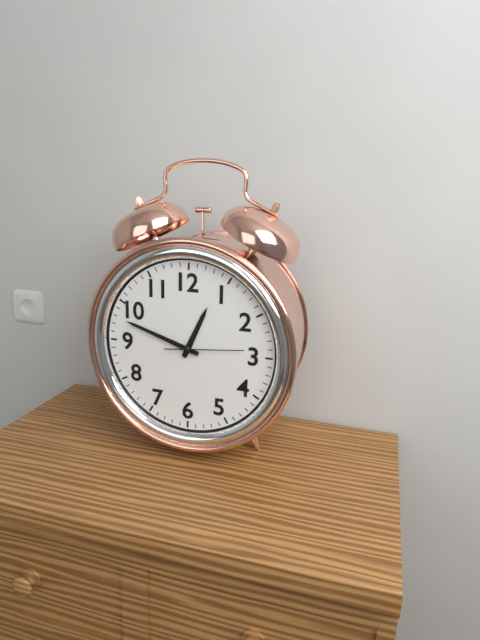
**12:48:14**
